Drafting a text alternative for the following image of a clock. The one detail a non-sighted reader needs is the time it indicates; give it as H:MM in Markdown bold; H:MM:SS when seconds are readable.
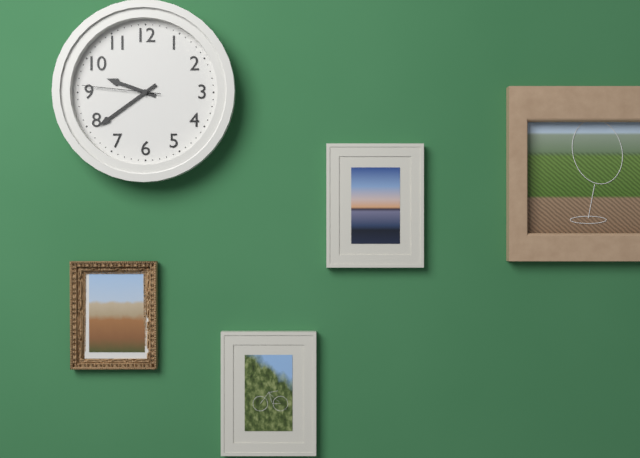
**9:39:46**
